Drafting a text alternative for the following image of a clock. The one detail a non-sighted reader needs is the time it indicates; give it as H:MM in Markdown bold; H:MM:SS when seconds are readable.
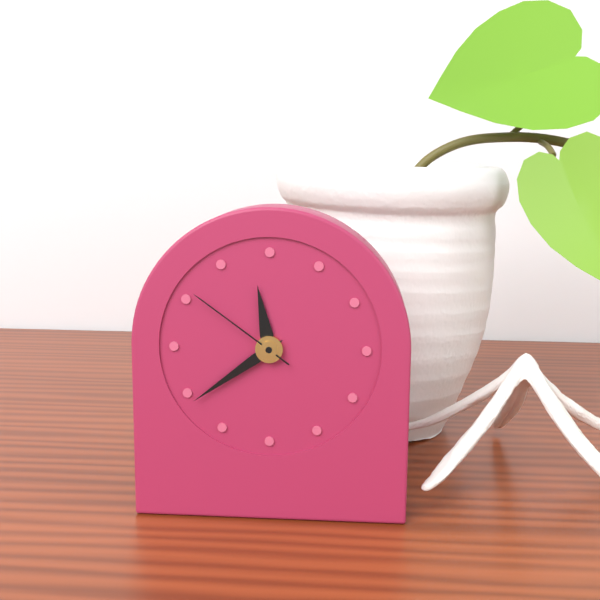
**11:39:51**
